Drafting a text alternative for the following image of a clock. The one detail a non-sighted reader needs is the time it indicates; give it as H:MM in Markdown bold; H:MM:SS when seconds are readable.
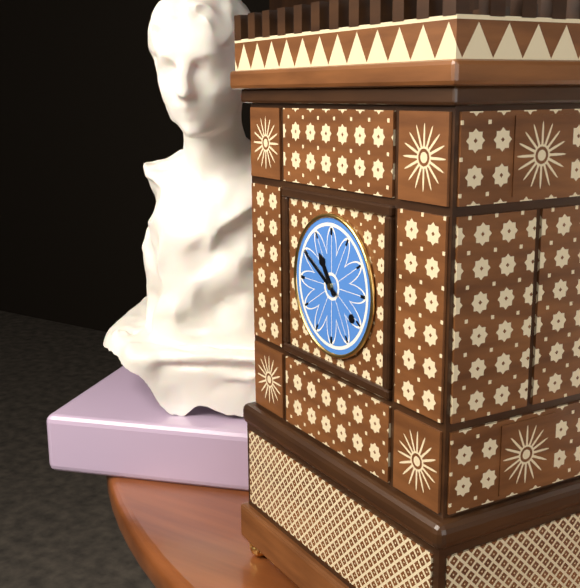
**10:50**
